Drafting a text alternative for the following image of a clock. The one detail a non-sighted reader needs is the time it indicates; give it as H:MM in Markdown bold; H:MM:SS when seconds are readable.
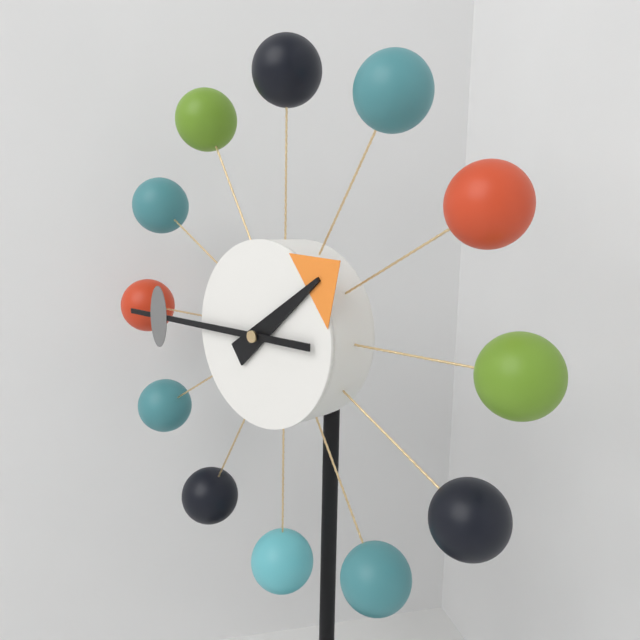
**1:45**
